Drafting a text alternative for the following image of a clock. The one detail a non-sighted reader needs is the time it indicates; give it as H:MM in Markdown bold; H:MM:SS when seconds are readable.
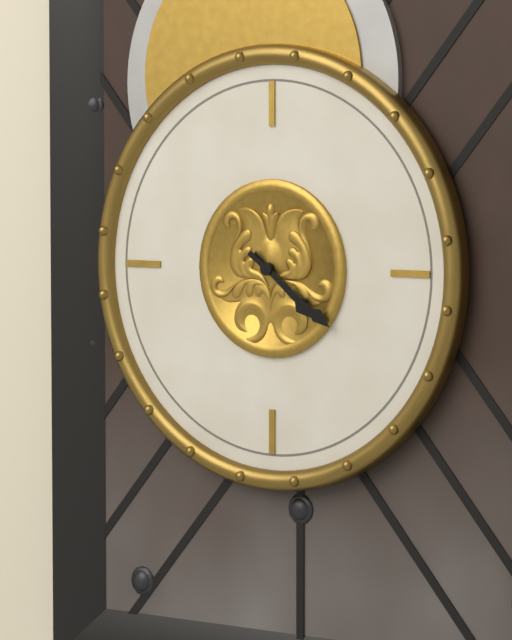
**4:21**
